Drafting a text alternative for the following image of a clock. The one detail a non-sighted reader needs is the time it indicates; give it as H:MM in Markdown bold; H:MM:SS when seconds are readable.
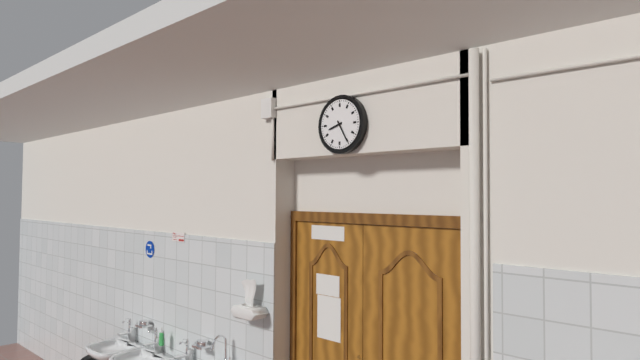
**8:25**
